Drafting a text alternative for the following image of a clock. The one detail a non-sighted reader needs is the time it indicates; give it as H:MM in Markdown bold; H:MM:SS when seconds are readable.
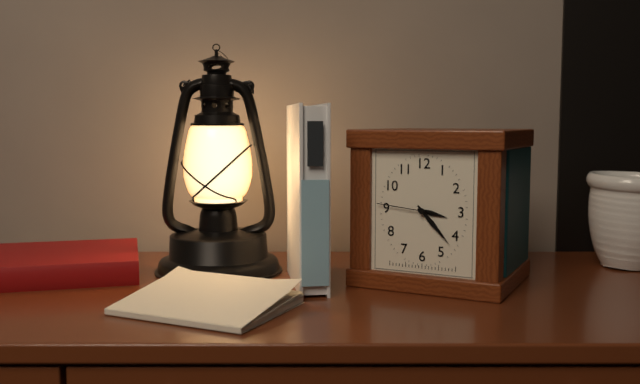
**3:23:46**
